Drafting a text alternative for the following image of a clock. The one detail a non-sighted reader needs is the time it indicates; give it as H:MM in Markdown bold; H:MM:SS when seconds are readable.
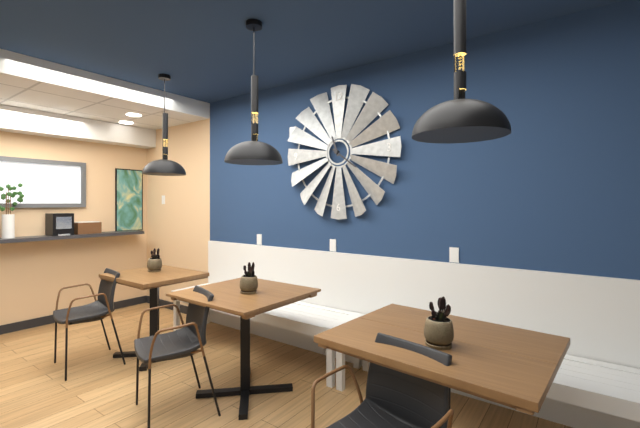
**11:21**
